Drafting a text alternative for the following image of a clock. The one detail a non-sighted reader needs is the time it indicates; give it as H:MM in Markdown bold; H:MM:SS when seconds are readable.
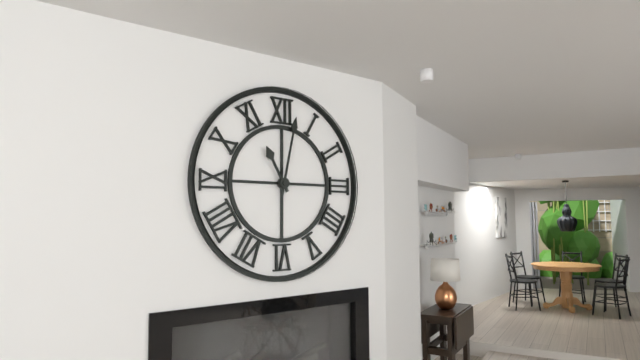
**11:02**
